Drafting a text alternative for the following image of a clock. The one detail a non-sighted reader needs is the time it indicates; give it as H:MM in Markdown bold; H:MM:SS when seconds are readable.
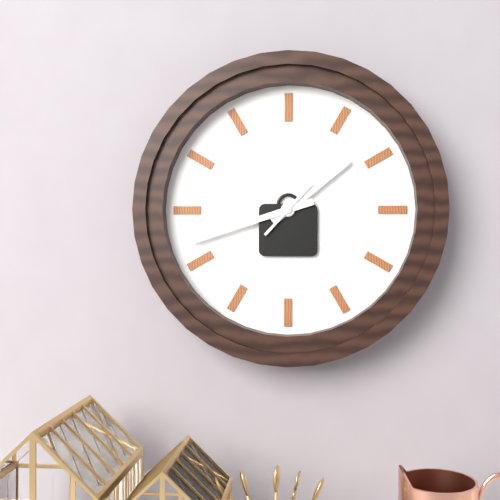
**1:42:07**
